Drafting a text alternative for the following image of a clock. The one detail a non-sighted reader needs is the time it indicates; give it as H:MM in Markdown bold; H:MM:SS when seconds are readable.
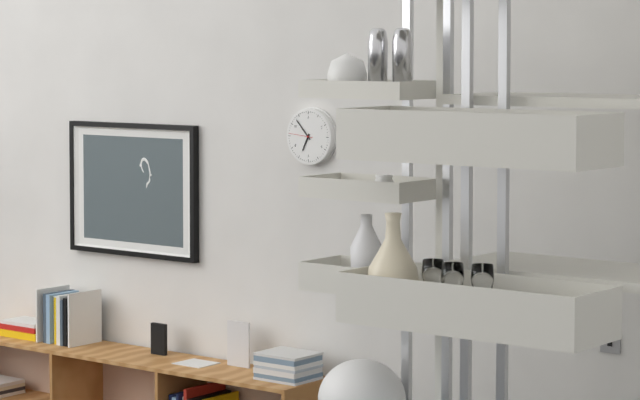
**6:53**
